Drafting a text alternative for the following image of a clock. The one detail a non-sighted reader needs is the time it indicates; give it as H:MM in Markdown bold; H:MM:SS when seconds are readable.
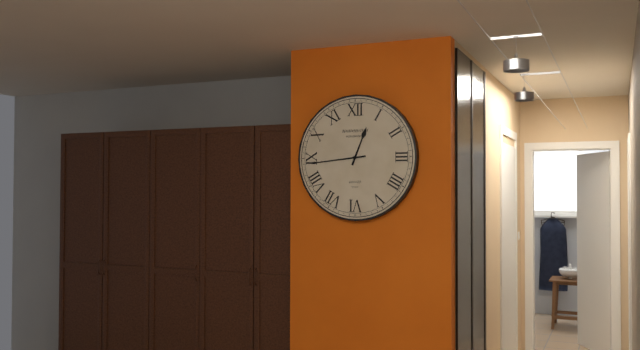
**12:44**
